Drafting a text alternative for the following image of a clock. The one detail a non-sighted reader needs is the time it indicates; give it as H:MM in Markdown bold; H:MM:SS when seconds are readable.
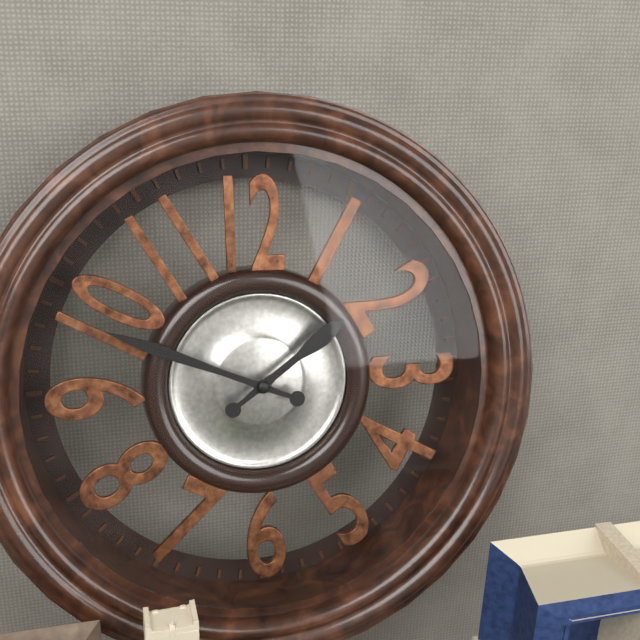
**1:49**
